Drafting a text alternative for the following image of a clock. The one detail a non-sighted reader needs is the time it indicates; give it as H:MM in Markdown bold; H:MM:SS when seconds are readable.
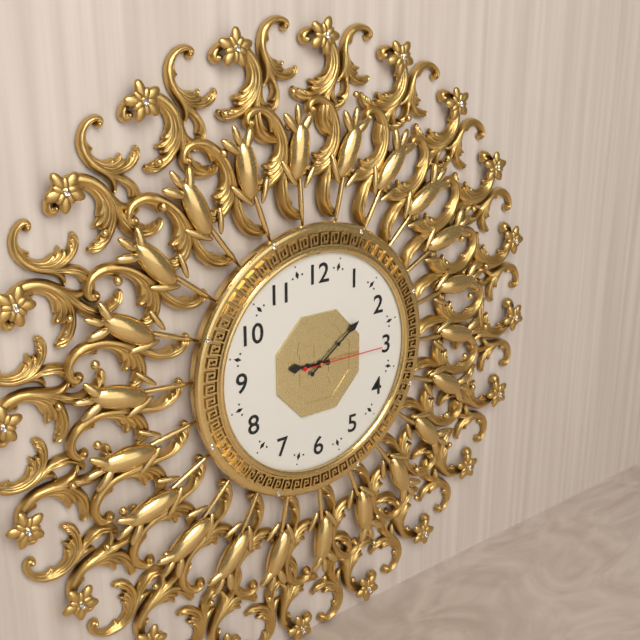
**9:09:15**
